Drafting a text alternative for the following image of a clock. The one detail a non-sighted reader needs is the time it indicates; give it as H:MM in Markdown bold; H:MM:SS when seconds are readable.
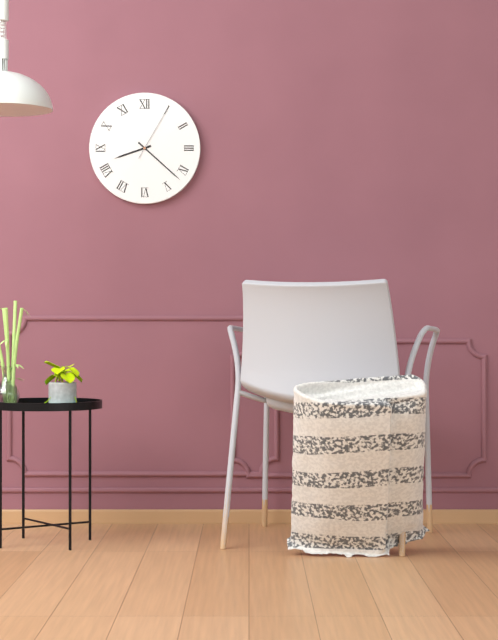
**8:22:05**
